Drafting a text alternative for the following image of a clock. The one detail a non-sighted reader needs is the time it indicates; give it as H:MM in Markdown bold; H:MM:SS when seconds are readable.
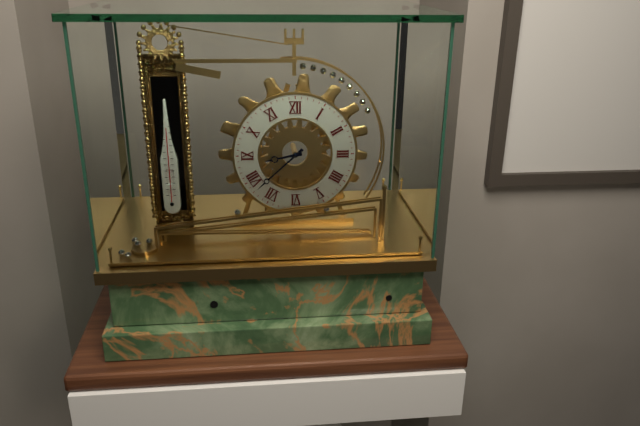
**8:38**
